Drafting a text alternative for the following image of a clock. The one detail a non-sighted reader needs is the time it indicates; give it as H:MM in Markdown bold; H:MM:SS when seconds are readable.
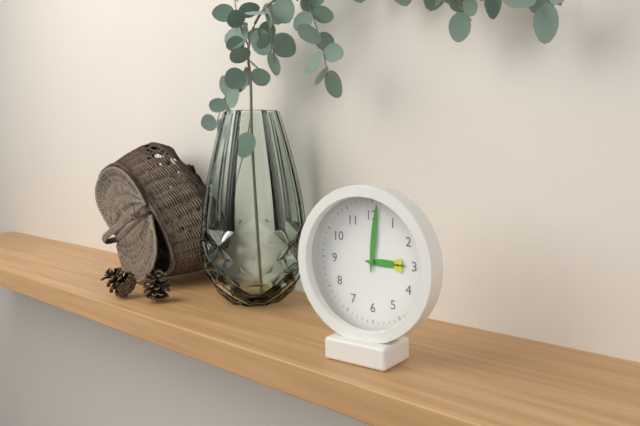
**3:01**
